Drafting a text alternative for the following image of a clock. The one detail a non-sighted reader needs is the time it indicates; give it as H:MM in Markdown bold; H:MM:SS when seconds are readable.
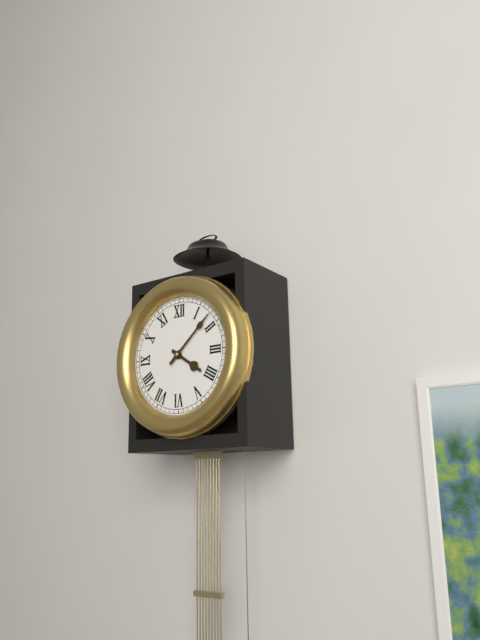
**4:08**
